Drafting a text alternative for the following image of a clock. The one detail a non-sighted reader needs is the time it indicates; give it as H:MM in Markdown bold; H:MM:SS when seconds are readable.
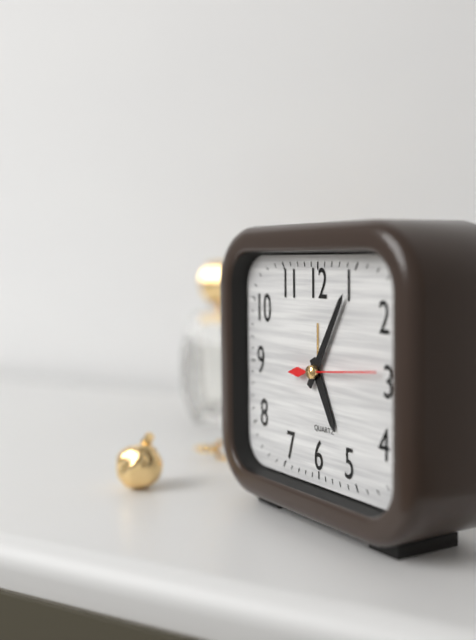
**5:05:14**
